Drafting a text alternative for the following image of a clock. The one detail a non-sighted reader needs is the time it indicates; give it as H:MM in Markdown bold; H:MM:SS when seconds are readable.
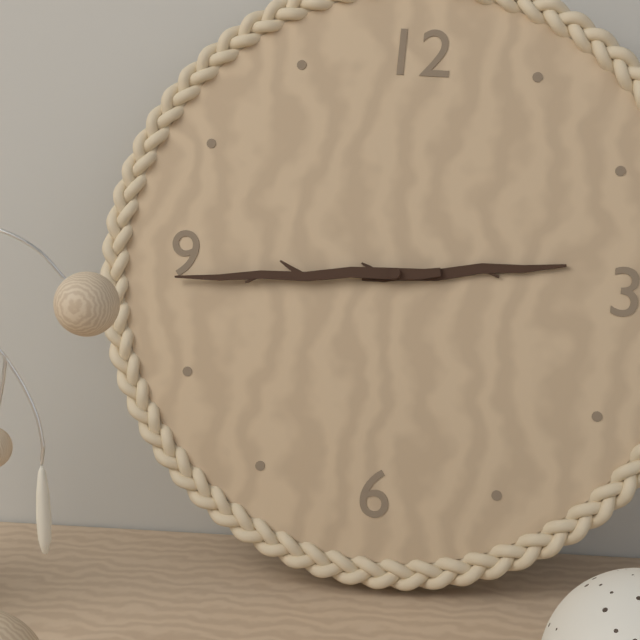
**2:44**
